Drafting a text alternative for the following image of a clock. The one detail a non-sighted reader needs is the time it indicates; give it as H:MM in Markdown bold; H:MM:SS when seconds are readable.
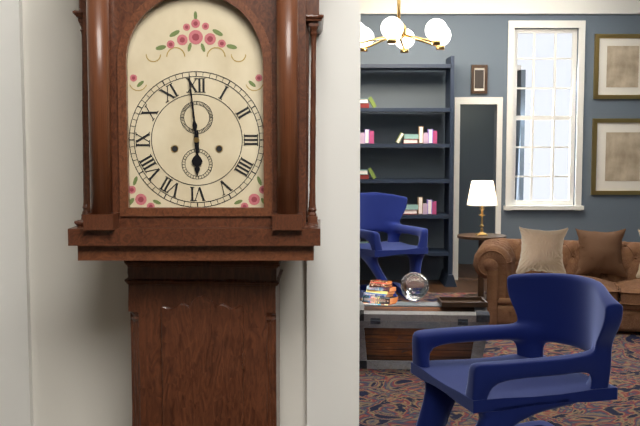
**5:59**
